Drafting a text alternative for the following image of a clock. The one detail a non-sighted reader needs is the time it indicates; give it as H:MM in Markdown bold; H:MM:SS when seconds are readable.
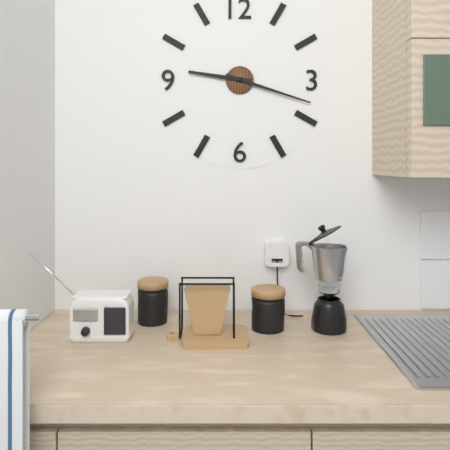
**9:18**
